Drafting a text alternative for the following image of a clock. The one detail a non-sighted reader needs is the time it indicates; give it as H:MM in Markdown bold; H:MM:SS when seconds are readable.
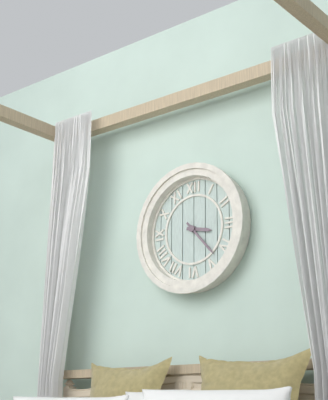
**3:23**
